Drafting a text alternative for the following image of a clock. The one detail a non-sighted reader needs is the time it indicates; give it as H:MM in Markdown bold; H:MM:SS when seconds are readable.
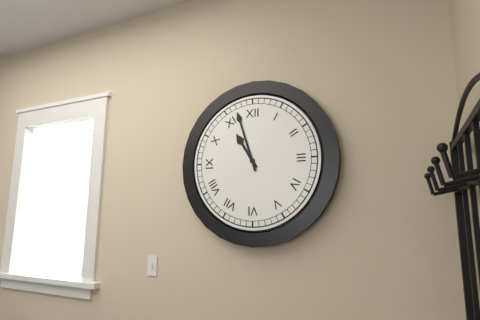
**10:57**
